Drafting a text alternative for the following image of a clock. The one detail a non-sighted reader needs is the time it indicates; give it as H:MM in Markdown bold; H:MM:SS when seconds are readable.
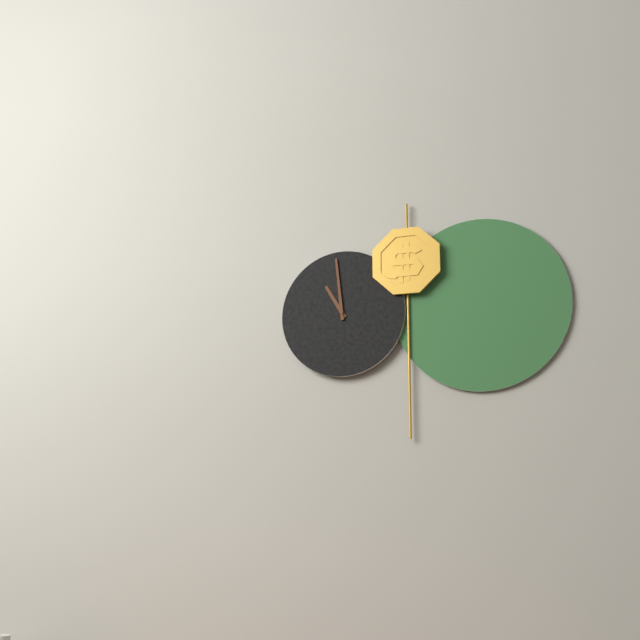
**10:59**
